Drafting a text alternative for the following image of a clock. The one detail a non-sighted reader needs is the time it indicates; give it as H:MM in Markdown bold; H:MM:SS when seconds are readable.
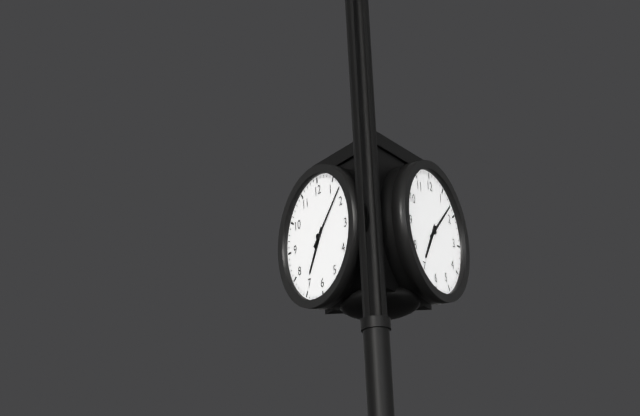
**7:08**
